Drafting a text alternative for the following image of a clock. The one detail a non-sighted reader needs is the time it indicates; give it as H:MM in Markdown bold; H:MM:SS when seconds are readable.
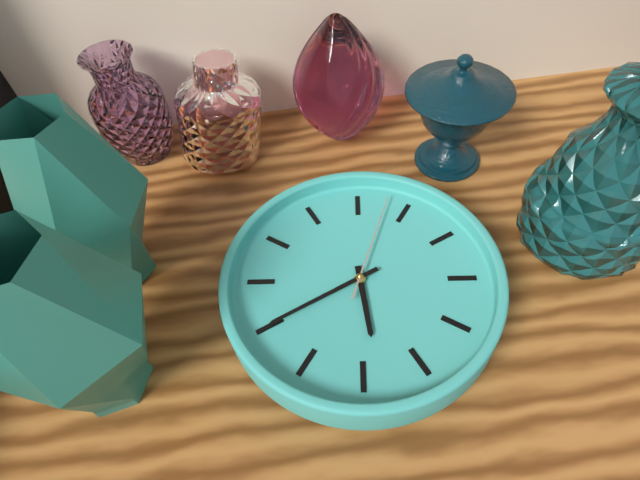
**6:45:08**
